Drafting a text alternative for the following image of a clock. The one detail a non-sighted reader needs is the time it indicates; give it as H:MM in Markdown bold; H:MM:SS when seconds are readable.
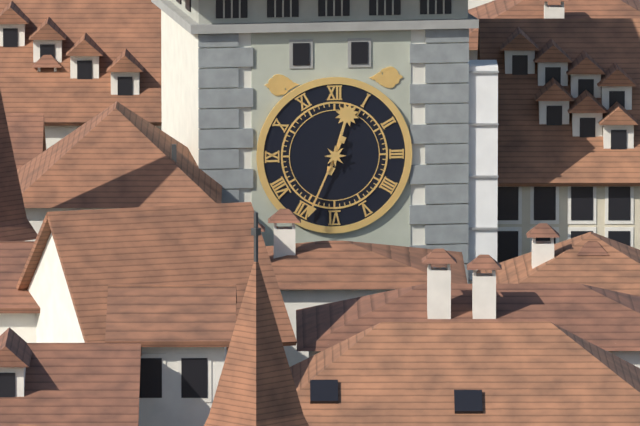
**12:34**
